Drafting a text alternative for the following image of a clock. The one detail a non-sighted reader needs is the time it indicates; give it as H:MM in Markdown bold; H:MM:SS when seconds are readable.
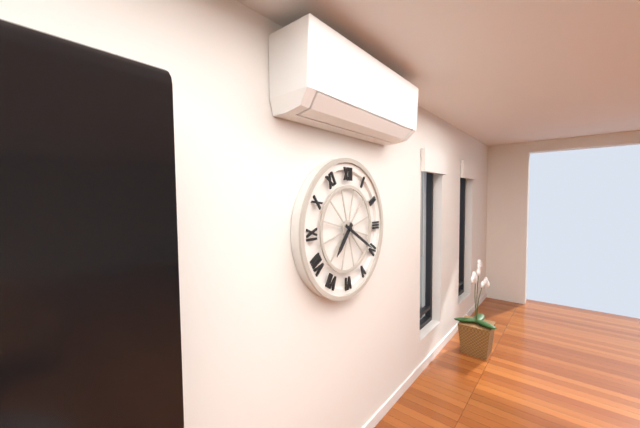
**7:20**
